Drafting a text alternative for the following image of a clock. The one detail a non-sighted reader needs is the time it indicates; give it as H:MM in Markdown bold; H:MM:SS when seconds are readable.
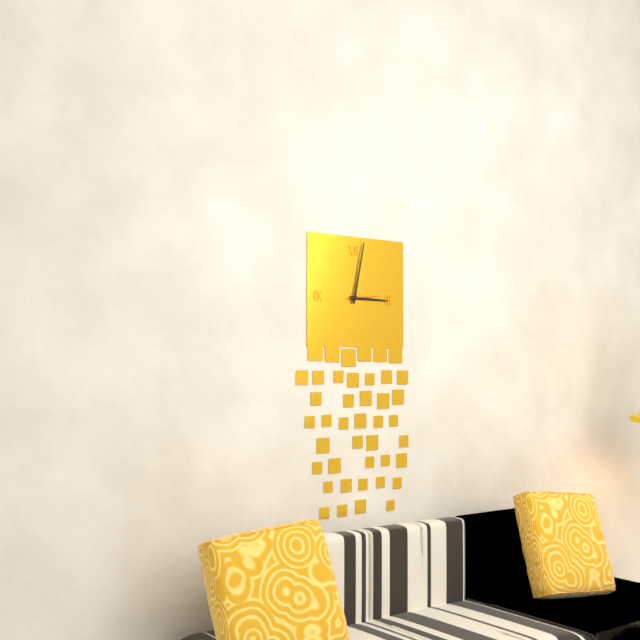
**3:02**
